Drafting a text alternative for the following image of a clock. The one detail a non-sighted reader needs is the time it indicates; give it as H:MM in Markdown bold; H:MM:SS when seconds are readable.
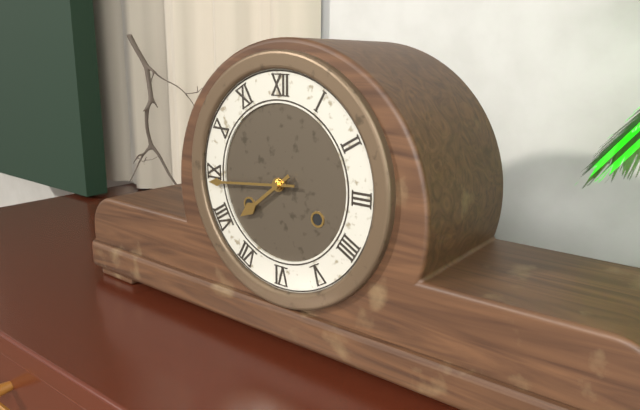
**7:44**
